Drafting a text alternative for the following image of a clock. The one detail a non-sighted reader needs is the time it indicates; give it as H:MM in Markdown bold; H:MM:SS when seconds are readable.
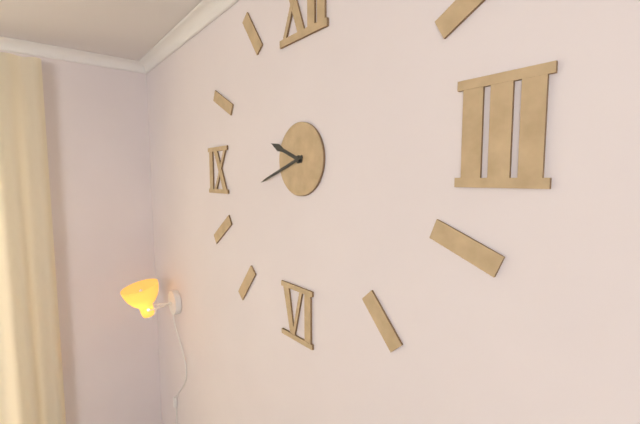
**9:42**
